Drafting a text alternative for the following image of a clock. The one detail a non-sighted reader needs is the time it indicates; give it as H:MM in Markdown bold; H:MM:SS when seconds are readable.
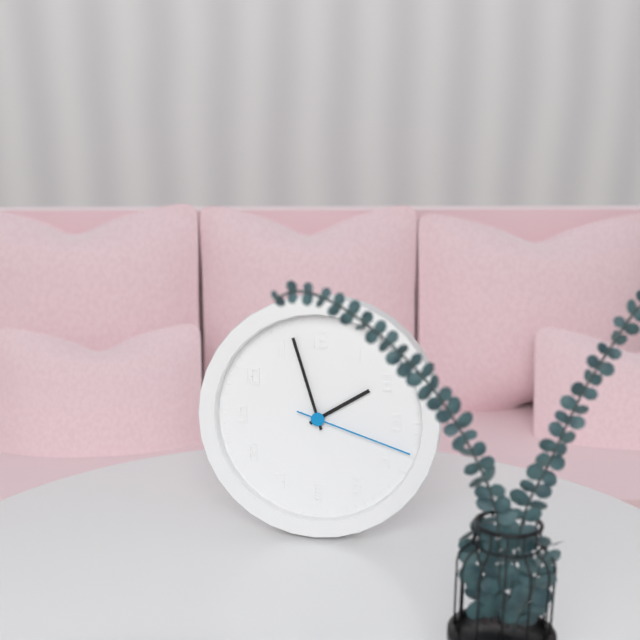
**1:57:18**
